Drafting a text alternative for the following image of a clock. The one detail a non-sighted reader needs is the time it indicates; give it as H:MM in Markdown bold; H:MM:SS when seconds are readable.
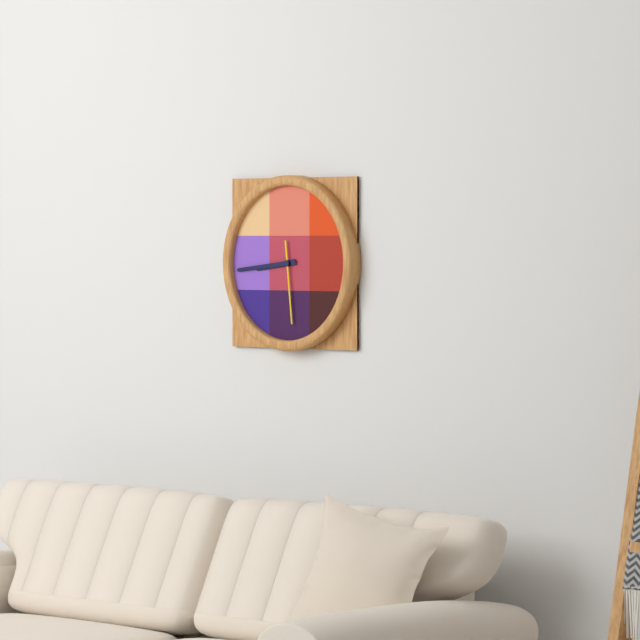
**8:44:29**
